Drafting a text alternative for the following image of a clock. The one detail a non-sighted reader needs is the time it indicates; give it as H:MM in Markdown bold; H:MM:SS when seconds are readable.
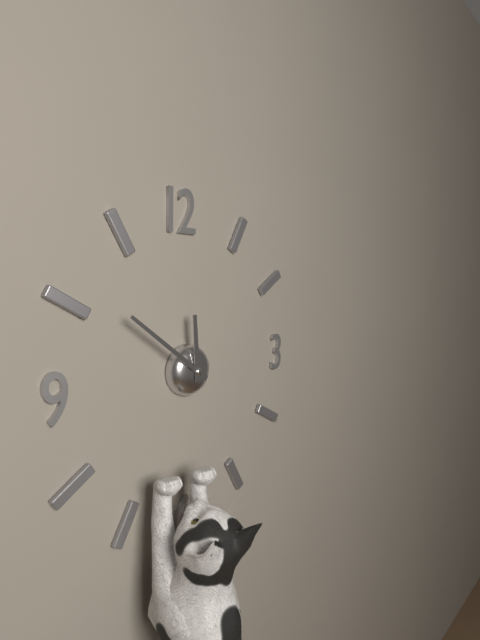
**11:51**
